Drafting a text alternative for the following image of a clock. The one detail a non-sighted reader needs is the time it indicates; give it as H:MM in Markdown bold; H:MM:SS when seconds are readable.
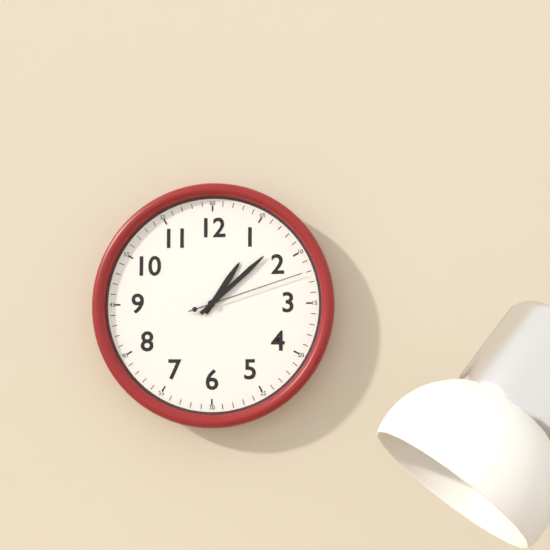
**1:08:12**
